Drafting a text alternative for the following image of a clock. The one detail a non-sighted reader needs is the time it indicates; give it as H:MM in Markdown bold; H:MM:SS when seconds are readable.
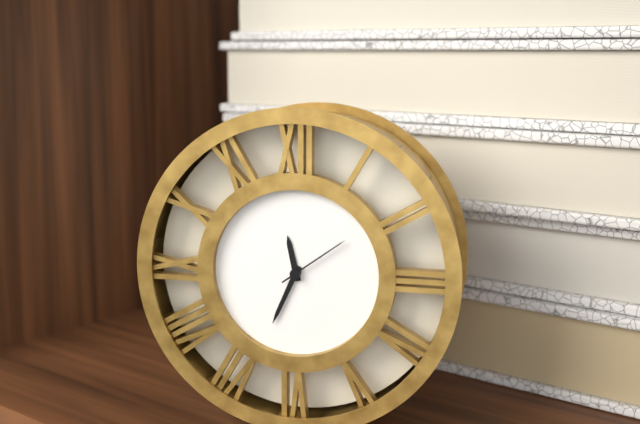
**11:34:09**
